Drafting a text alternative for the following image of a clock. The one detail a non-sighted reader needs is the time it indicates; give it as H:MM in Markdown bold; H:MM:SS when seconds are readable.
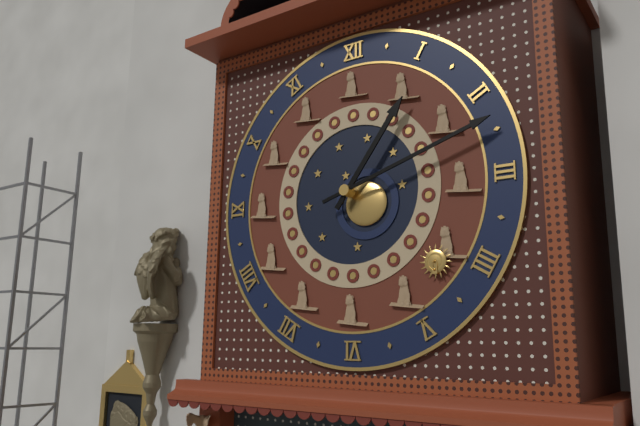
**1:12**
